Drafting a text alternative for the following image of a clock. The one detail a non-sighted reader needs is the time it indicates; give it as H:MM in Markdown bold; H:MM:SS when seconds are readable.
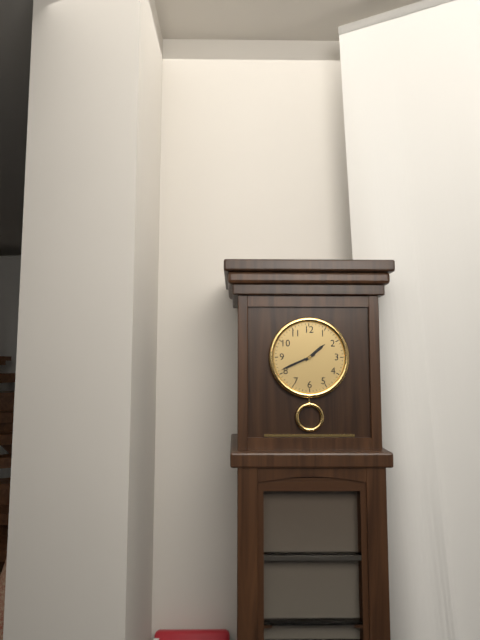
**1:41**
